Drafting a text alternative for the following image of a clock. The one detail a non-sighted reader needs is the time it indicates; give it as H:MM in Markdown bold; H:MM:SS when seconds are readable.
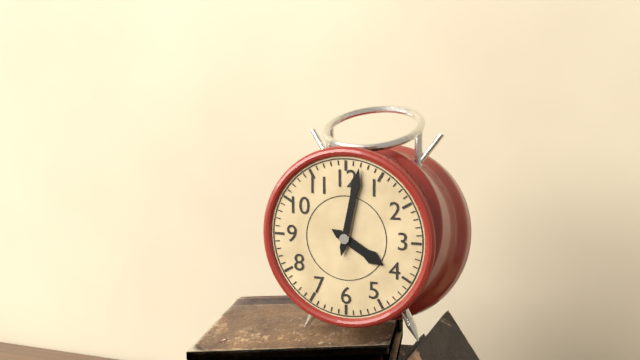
**4:02**
